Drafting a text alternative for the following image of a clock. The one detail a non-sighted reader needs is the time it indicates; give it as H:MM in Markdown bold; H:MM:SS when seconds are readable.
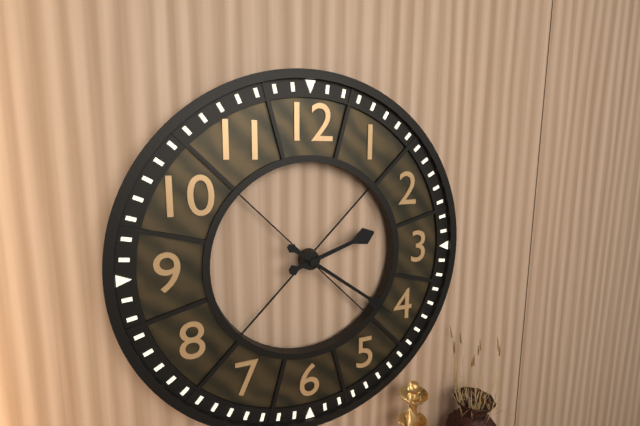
**2:21**
